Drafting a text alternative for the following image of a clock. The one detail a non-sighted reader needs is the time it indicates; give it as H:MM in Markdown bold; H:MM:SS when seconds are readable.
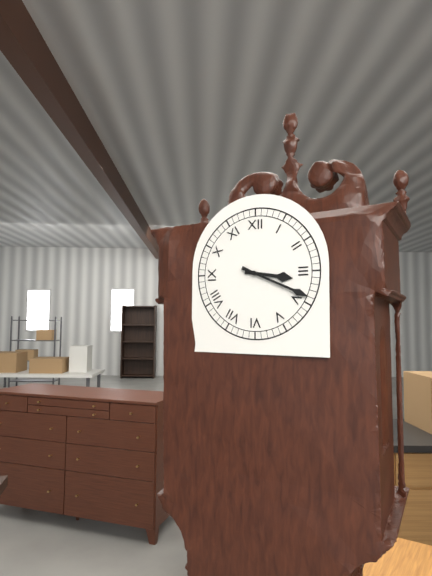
**3:19**
